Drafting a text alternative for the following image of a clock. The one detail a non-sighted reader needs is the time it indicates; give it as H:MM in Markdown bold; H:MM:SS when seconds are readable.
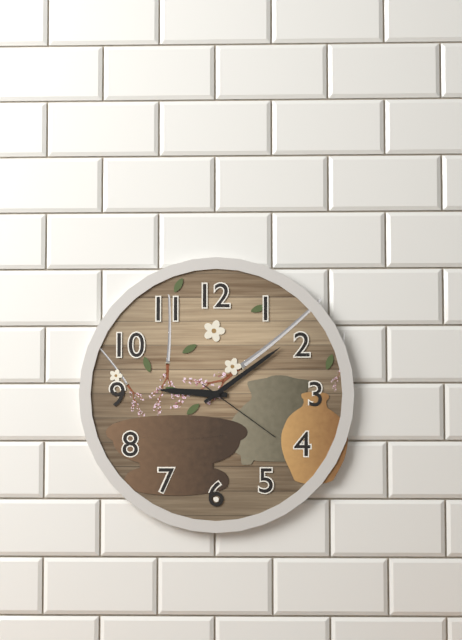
**9:09:21**
